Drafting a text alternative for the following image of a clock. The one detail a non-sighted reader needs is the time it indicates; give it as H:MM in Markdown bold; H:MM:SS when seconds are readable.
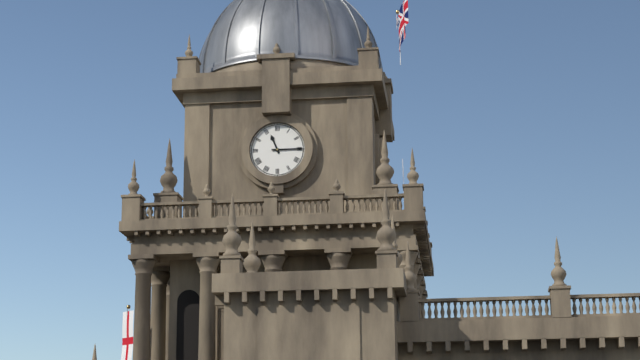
**11:15**
